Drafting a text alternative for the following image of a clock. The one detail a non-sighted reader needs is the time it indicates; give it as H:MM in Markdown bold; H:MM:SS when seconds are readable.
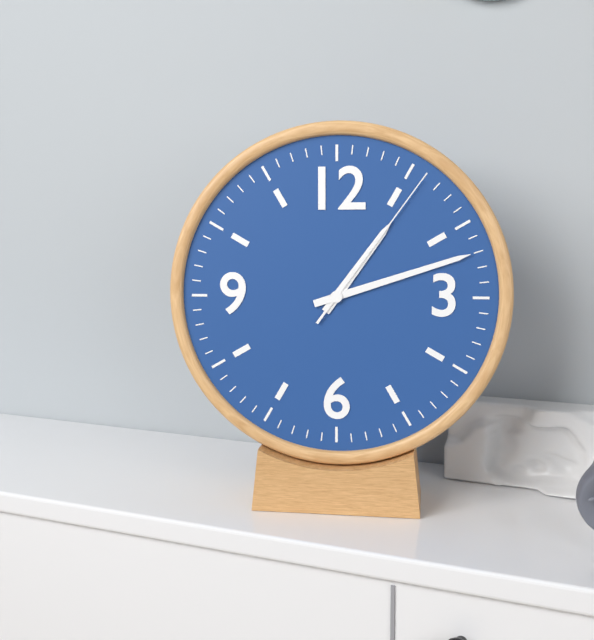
**1:12:06**
